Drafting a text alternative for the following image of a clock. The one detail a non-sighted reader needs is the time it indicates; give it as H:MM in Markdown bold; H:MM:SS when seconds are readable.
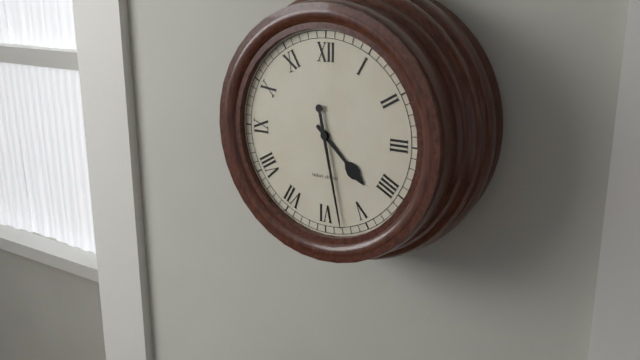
**4:28**
